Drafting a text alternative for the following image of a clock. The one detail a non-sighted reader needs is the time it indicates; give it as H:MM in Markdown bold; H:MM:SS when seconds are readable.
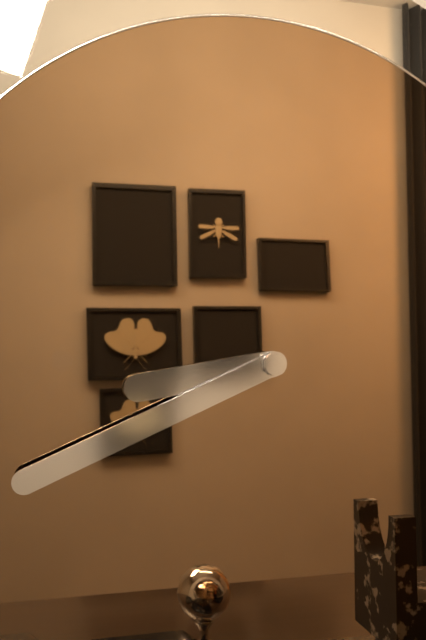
**8:41**
